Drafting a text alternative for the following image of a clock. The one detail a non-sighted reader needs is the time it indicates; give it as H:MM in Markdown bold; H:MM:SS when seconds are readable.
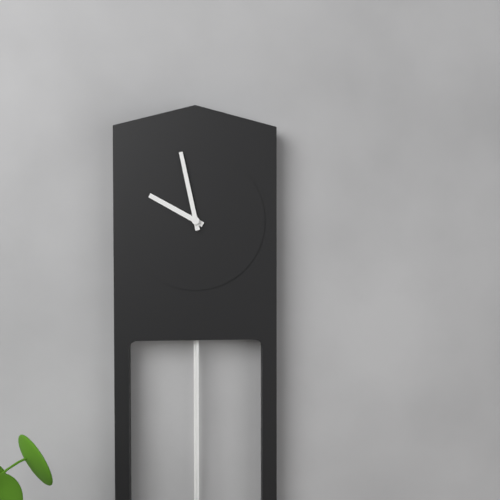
**9:58**
